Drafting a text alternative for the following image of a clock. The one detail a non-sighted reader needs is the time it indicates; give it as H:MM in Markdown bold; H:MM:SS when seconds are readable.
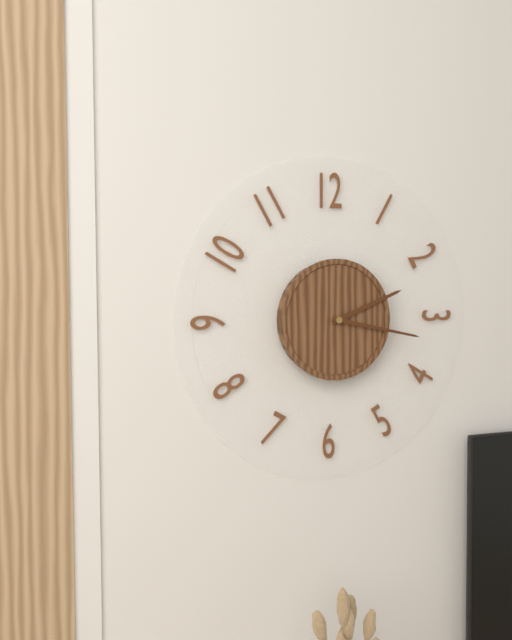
**2:17**
